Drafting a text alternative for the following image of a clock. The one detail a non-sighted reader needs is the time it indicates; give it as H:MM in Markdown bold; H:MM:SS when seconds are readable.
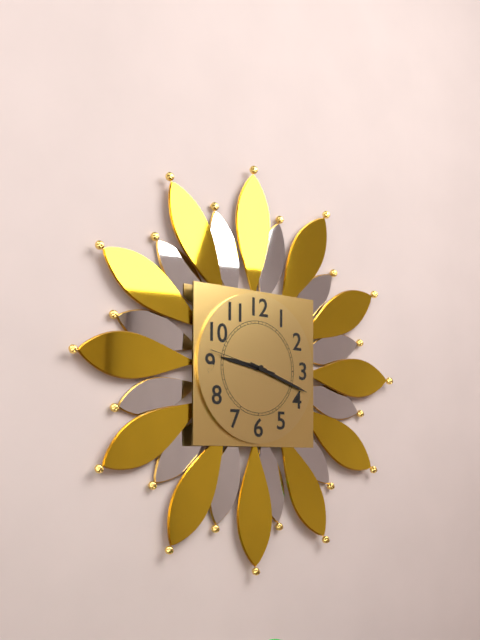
**9:18:47**
